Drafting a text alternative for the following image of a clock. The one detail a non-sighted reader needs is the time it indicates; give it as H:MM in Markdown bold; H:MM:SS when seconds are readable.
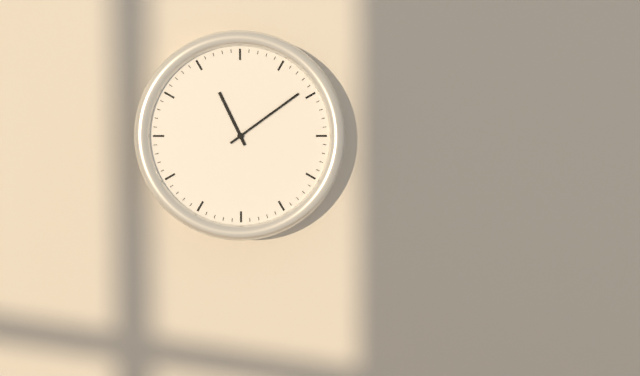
**11:09**
